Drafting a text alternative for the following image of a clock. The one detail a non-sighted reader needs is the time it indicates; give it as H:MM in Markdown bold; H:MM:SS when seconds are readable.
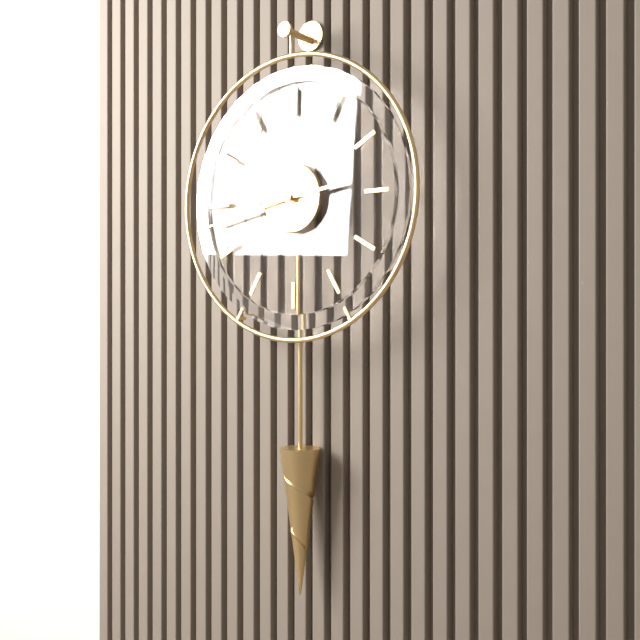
**2:43:45**
